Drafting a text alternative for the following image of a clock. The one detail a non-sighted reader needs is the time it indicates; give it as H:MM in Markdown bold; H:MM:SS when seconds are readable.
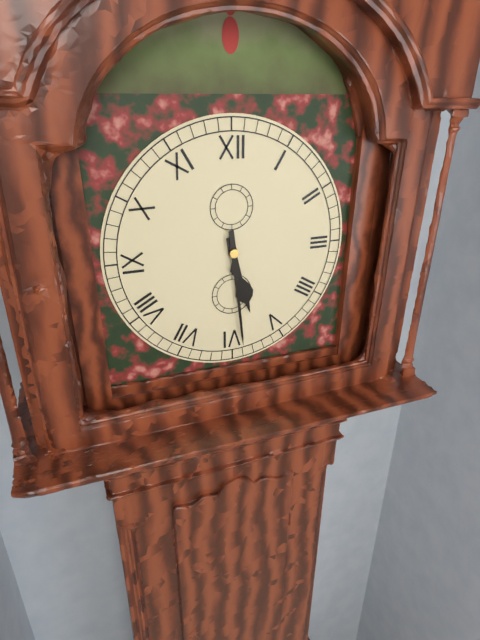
**5:29**
